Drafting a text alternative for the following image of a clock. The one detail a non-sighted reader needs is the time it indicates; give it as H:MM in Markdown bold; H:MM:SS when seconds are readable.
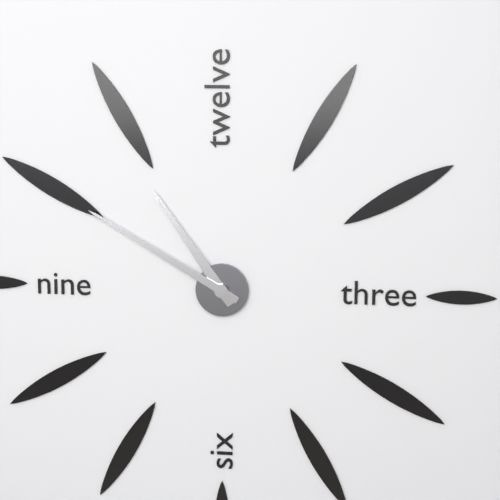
**10:50**
